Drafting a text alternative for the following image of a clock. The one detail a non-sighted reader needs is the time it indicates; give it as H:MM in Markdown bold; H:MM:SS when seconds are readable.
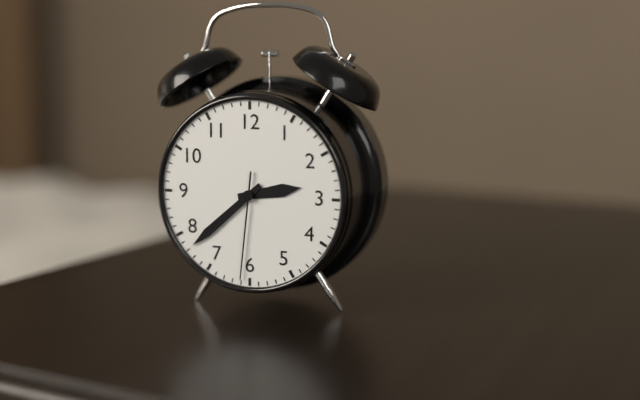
**2:38:31**
